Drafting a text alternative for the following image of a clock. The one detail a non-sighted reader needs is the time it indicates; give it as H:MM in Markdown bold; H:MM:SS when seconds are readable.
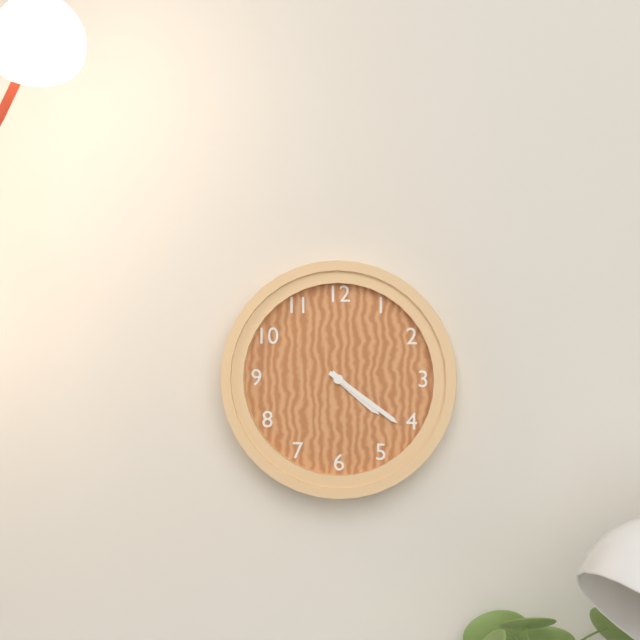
**4:21**
